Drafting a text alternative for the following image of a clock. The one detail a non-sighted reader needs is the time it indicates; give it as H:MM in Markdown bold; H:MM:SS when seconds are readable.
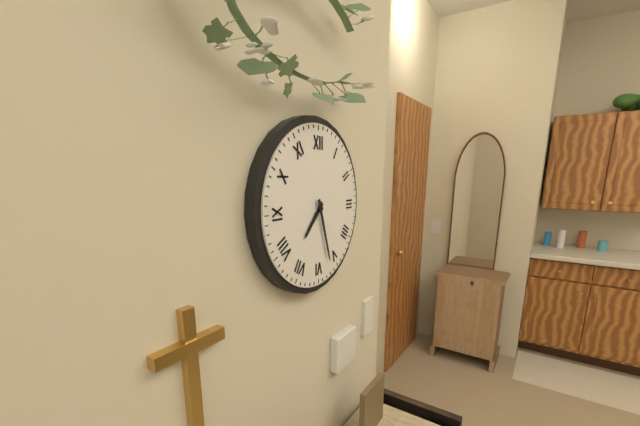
**7:27**
